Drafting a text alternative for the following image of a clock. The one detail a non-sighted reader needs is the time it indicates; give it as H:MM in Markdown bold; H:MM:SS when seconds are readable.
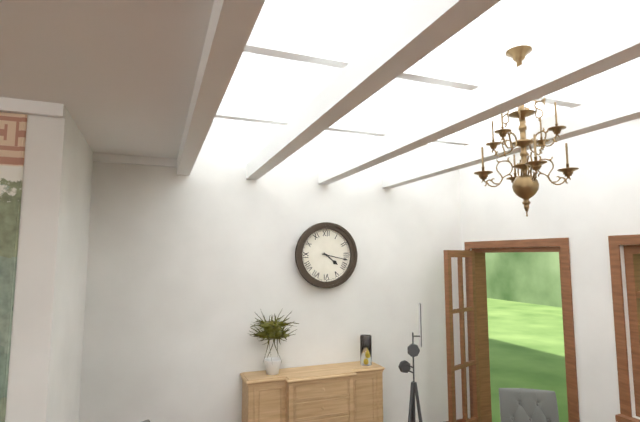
**4:17**
